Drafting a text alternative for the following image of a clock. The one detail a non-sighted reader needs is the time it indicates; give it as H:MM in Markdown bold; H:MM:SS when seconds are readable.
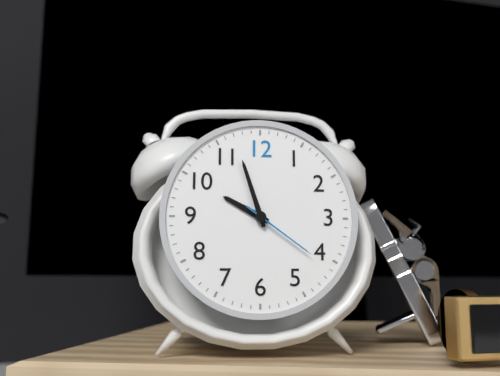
**9:57:21**
